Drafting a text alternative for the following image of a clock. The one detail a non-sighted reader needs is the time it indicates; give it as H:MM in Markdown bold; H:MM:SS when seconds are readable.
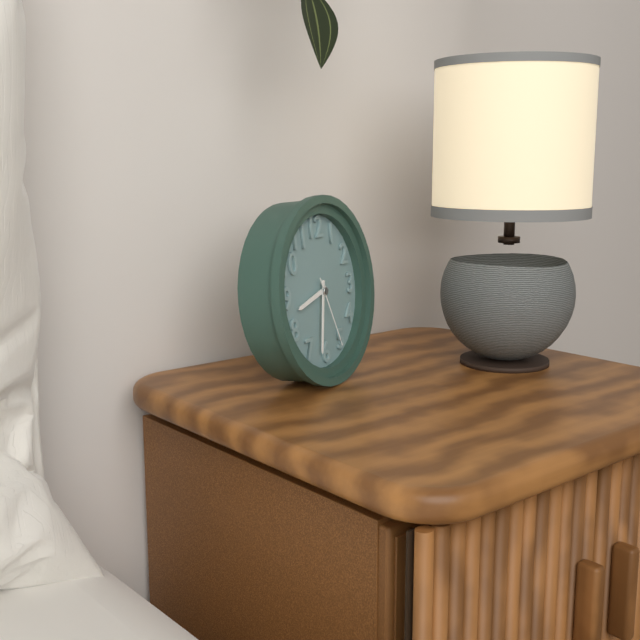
**8:32:26**
